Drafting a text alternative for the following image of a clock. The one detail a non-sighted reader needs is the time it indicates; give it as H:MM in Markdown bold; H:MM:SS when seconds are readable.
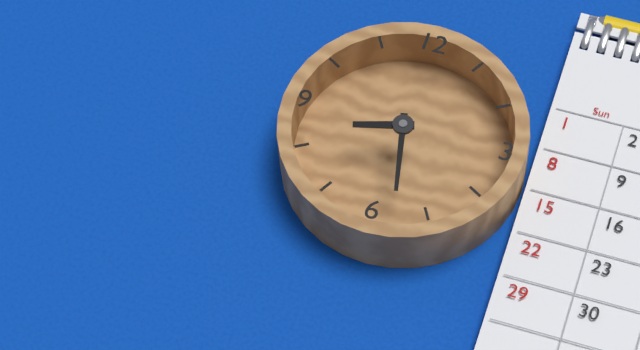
**8:28**
